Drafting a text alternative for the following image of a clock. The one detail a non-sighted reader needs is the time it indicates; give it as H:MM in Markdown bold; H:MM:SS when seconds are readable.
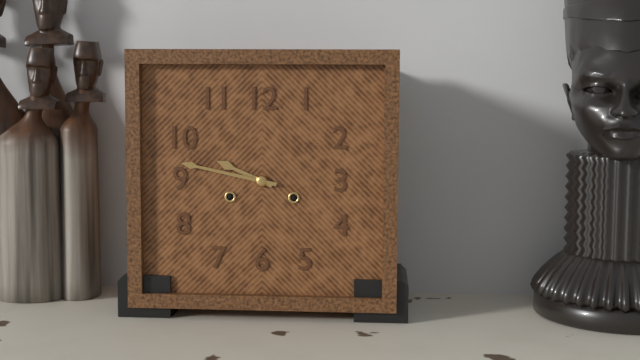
**9:47**
